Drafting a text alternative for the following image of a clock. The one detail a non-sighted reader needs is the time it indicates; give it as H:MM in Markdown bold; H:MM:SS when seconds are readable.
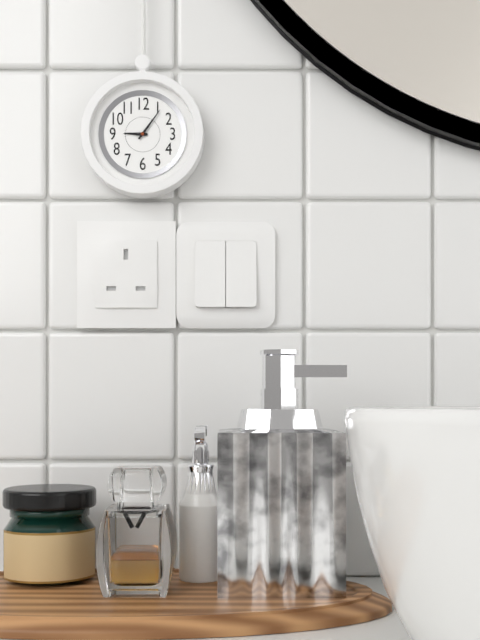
**9:06**
